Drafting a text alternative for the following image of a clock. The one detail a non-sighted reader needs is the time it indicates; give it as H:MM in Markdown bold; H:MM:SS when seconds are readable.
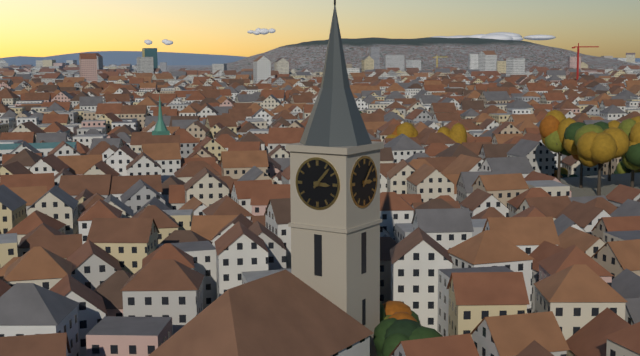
**3:07**
